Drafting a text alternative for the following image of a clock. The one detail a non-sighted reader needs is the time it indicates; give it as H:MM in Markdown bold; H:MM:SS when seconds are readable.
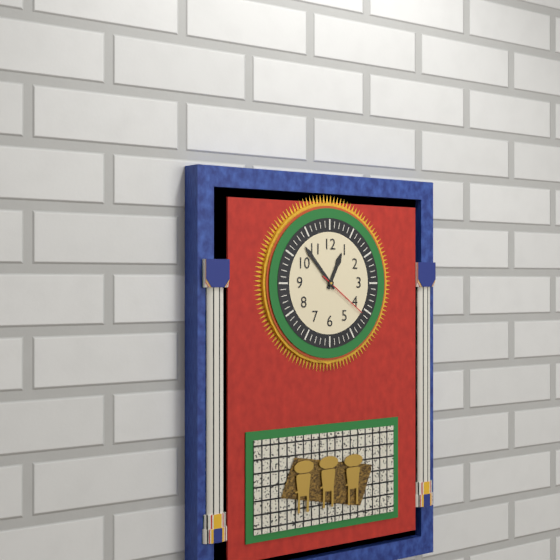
**12:53:21**
